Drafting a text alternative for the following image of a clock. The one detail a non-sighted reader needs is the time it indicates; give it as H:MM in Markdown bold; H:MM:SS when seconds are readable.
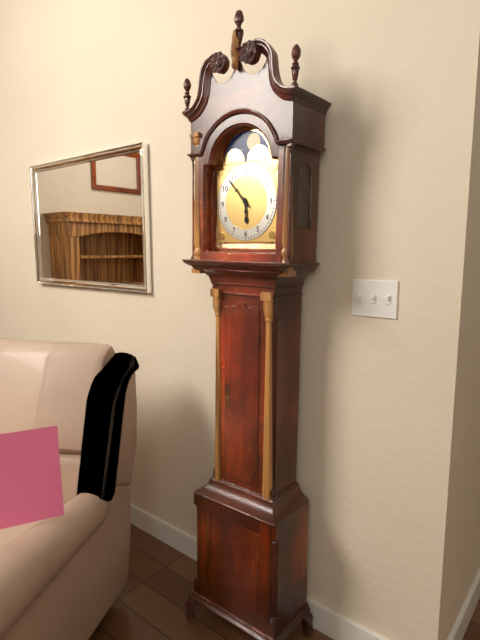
**5:53**
